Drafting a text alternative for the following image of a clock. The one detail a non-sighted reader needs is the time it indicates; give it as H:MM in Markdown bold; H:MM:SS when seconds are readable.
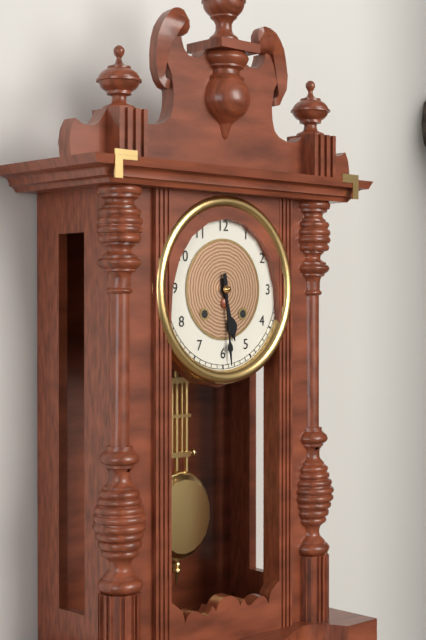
**5:29**
